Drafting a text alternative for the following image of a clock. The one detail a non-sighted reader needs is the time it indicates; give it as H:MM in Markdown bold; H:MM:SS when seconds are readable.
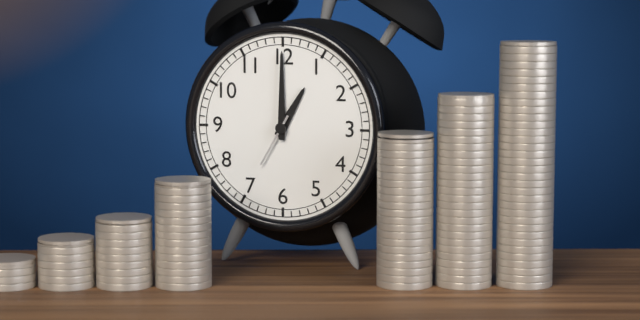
**1:00:35**
